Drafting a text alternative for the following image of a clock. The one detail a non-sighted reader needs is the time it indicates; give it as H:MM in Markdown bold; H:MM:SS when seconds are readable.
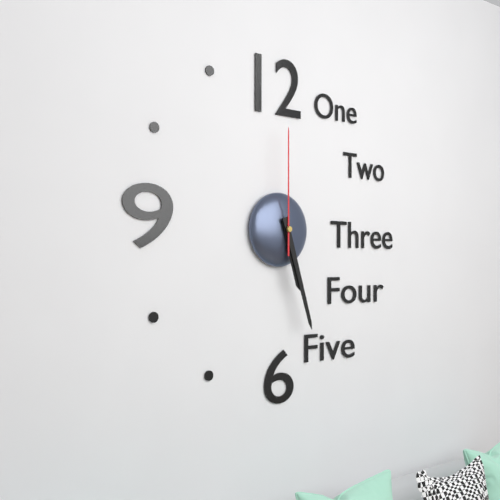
**5:27:00**
